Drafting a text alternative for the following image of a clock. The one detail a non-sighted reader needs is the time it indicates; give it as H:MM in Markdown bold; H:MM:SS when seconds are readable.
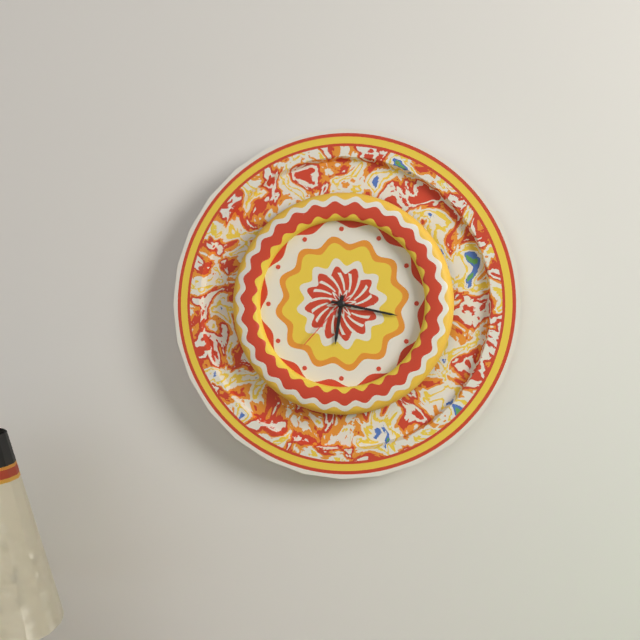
**6:17:37**
